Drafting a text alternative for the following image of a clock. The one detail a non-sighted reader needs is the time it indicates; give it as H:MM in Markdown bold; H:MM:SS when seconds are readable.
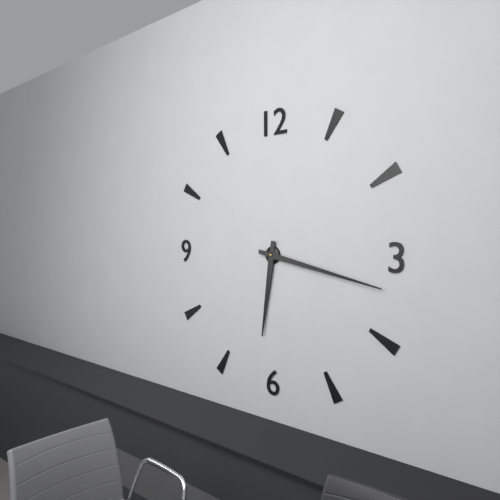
**6:17**
